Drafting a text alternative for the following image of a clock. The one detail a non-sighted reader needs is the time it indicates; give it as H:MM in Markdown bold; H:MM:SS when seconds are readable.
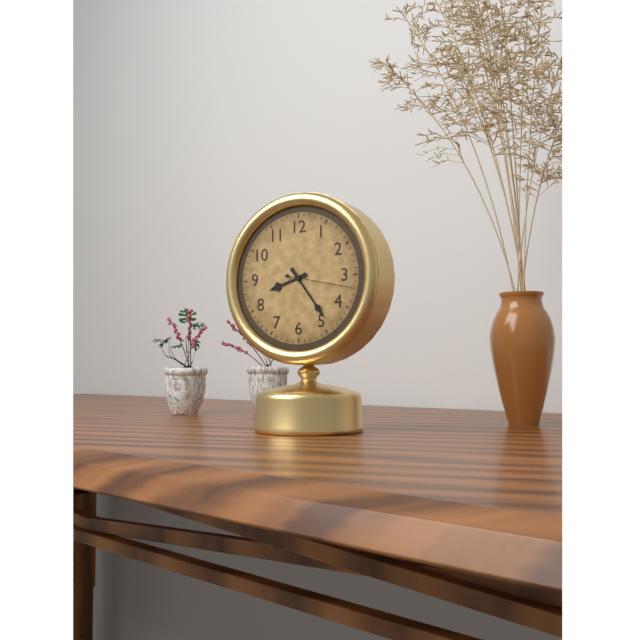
**8:24:17**
